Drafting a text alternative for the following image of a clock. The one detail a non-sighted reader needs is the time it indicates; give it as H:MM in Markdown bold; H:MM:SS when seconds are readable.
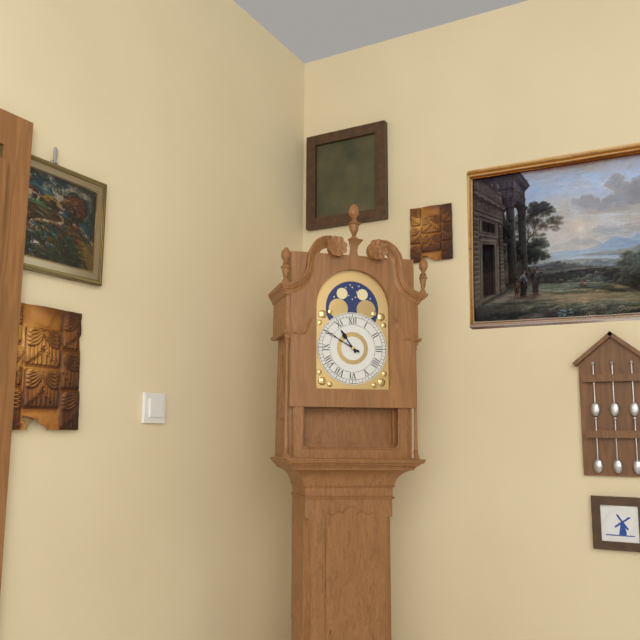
**10:50**
